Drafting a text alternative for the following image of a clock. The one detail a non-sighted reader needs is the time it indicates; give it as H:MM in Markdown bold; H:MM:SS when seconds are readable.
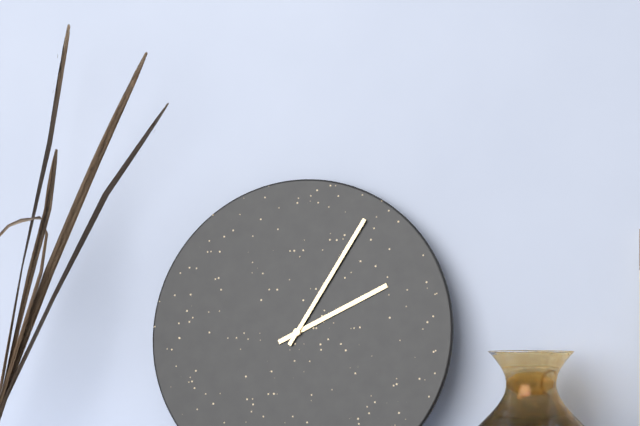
**2:05**
